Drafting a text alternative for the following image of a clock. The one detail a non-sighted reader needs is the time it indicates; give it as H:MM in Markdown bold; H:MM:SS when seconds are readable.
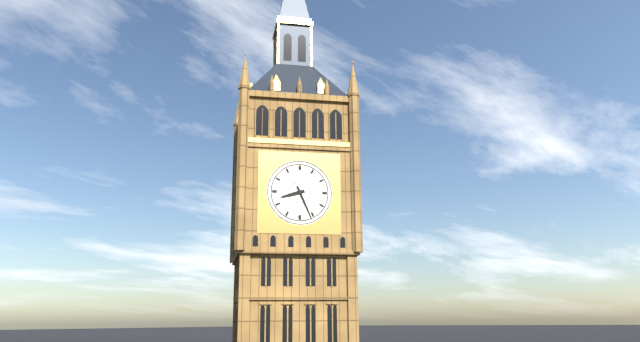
**8:26**
